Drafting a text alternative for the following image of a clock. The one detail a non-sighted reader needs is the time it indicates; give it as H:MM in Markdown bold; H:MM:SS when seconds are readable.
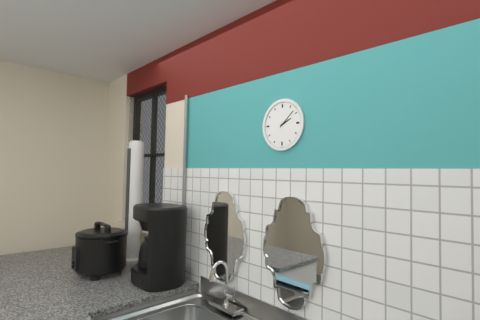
**2:08**
